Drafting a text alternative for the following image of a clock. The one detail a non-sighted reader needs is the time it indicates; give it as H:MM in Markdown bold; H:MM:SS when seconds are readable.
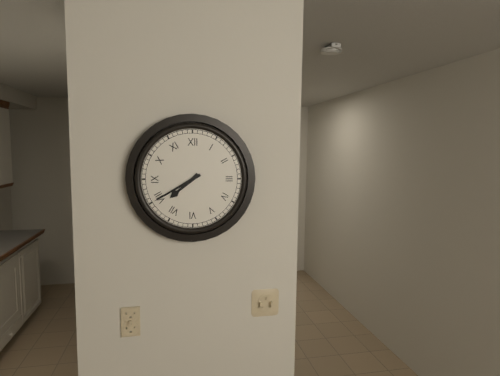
**7:40**
